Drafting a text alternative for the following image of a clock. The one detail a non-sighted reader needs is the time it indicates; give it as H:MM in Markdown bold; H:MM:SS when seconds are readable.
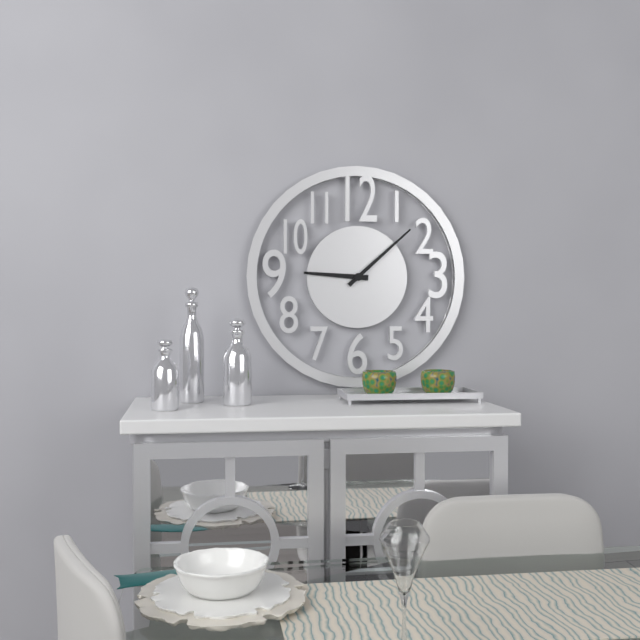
**9:08**
